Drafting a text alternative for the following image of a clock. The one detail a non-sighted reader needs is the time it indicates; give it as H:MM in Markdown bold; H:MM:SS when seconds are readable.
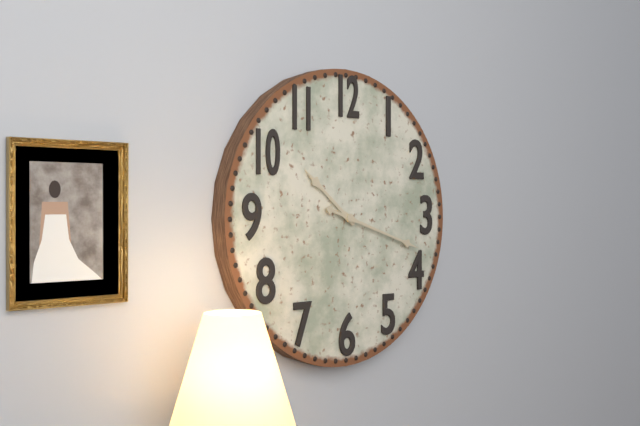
**10:18**
